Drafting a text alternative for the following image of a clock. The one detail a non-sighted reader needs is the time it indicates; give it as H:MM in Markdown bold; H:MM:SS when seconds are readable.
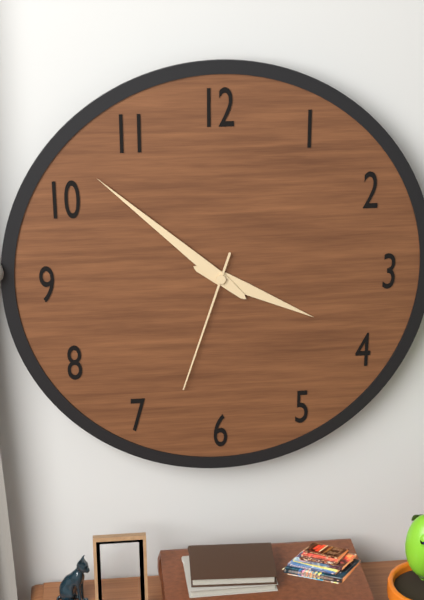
**3:52:33**
